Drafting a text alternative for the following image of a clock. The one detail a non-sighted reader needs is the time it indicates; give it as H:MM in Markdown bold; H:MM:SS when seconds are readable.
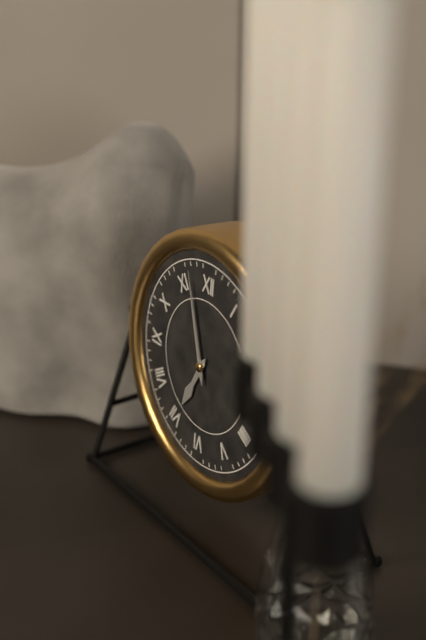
**6:57**
